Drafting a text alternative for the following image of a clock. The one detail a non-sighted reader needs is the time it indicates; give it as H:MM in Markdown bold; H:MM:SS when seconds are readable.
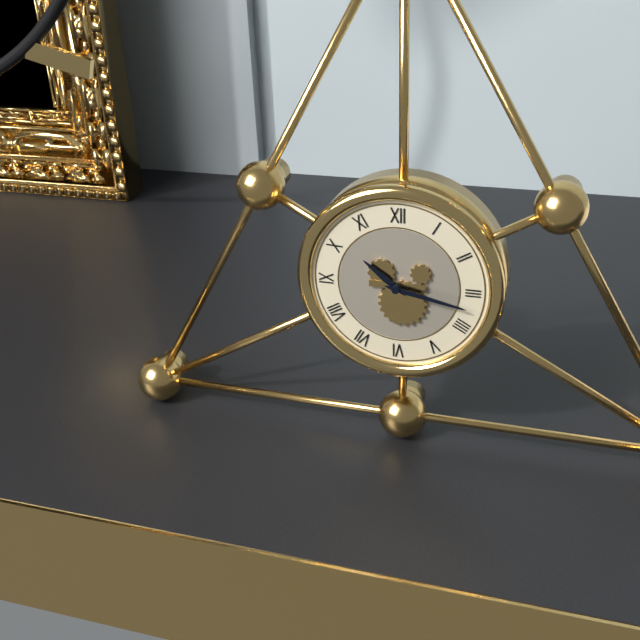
**10:17**
